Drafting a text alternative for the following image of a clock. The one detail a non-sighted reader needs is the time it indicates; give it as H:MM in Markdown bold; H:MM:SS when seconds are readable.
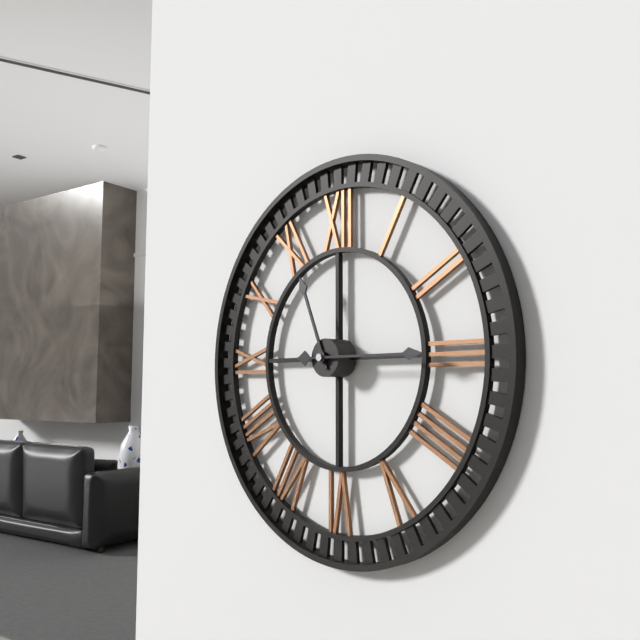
**11:15**
